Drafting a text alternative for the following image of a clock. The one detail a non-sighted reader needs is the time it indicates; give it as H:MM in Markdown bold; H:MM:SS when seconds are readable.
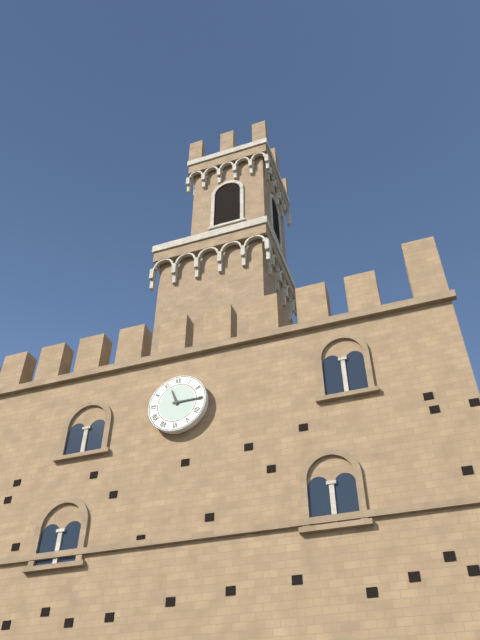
**11:15**
